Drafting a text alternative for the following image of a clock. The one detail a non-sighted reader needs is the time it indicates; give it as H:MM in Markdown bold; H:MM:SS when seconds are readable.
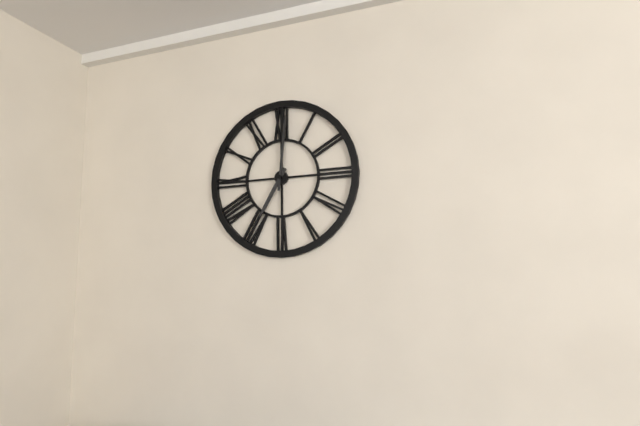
**7:01**
